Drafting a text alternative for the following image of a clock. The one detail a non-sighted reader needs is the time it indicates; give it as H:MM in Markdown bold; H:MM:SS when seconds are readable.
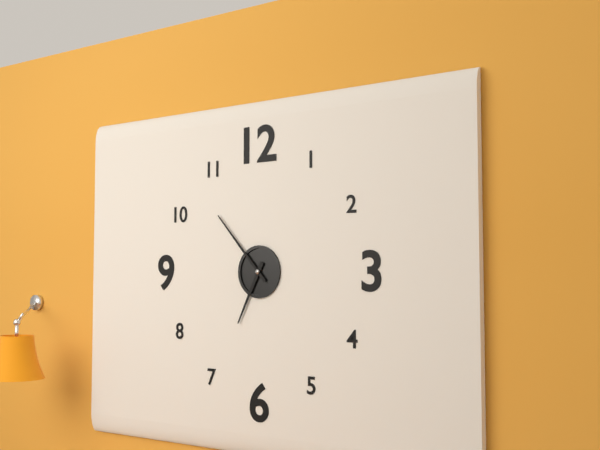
**6:53**
